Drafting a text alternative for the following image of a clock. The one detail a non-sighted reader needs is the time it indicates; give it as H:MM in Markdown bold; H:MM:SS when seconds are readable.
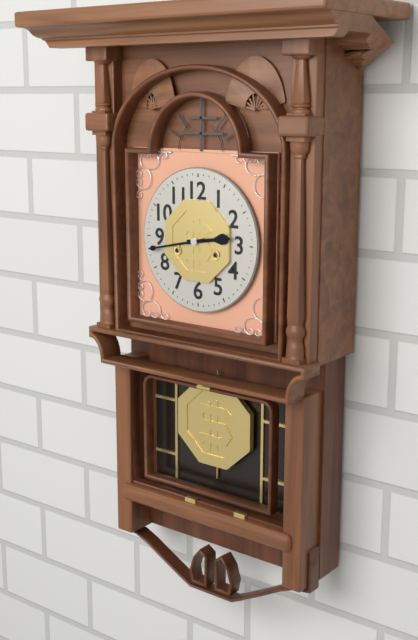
**2:43**
